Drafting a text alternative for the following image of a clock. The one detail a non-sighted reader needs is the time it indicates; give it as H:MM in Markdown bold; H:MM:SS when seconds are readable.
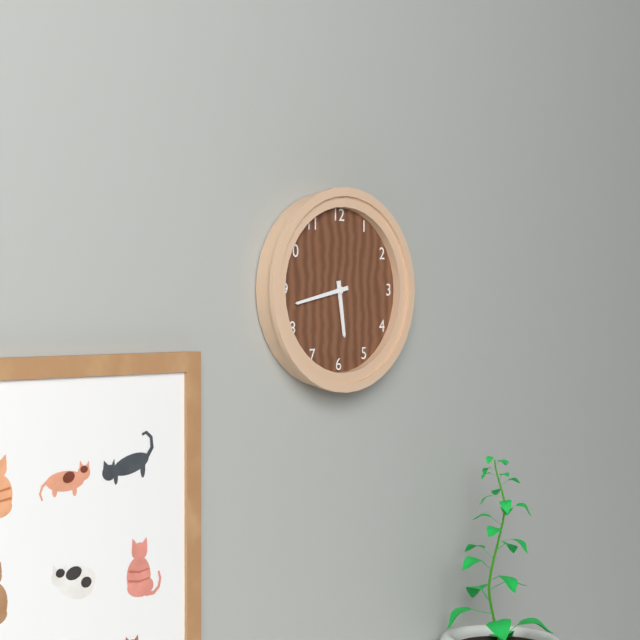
**5:43**
